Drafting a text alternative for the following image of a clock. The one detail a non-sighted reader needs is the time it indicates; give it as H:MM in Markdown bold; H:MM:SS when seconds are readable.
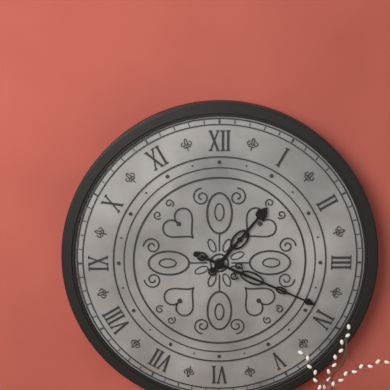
**1:19**
